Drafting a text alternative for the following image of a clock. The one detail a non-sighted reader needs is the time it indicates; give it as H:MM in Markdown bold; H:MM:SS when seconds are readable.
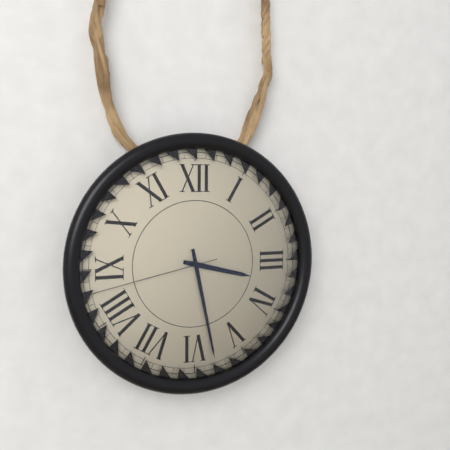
**3:28:43**
